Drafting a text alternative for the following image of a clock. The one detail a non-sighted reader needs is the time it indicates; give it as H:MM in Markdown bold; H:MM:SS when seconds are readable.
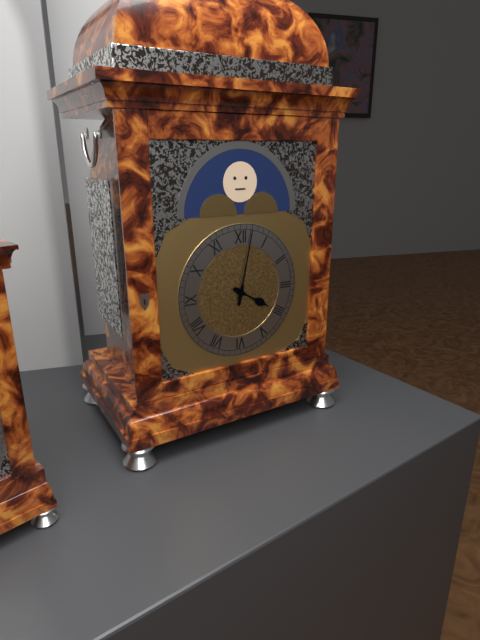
**4:02**
